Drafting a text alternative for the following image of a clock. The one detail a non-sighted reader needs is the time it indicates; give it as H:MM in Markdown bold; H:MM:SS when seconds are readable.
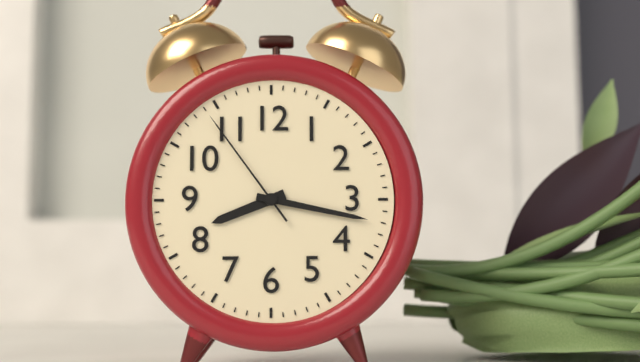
**8:17:54**
